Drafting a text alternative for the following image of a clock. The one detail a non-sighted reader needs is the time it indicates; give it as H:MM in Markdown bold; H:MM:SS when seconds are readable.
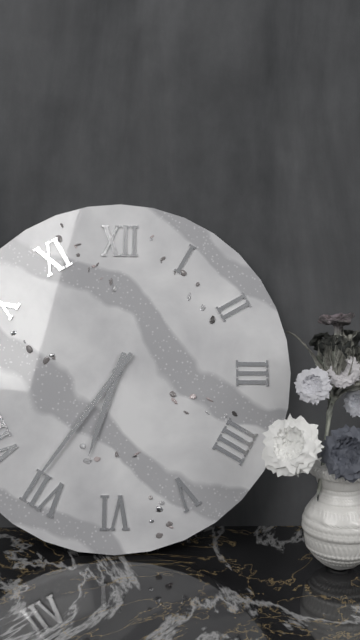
**6:36**
